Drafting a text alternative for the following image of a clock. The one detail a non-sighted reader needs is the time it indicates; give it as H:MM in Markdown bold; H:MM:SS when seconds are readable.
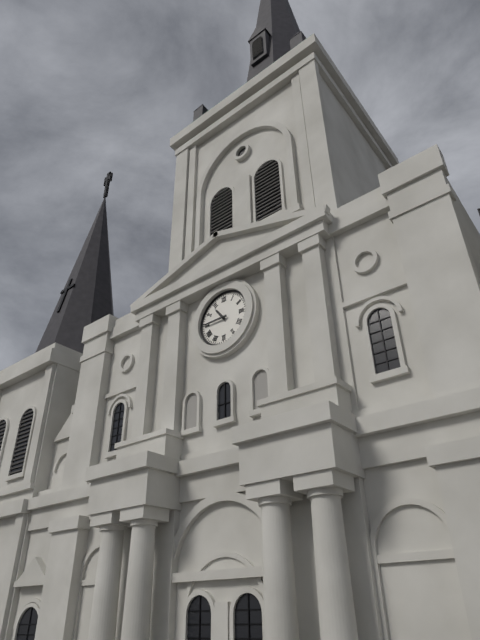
**10:45**
